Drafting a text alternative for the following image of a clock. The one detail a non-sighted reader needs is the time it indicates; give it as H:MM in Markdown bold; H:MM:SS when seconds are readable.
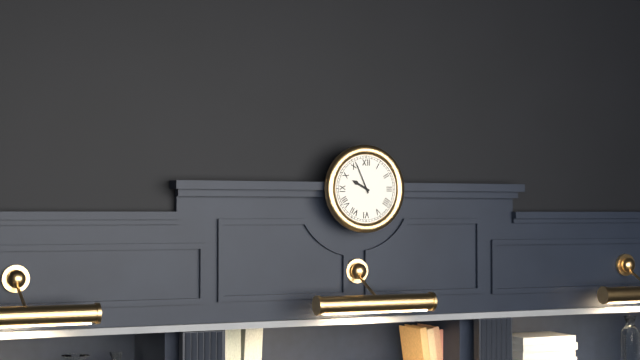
**9:56**
